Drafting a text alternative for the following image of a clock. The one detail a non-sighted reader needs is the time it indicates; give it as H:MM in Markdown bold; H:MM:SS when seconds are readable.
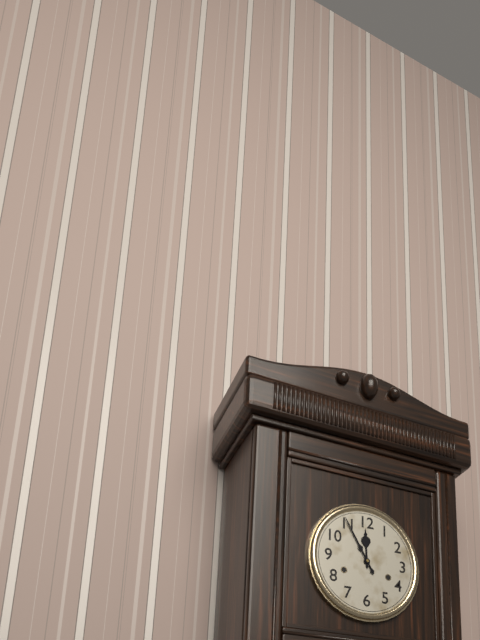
**11:55**
